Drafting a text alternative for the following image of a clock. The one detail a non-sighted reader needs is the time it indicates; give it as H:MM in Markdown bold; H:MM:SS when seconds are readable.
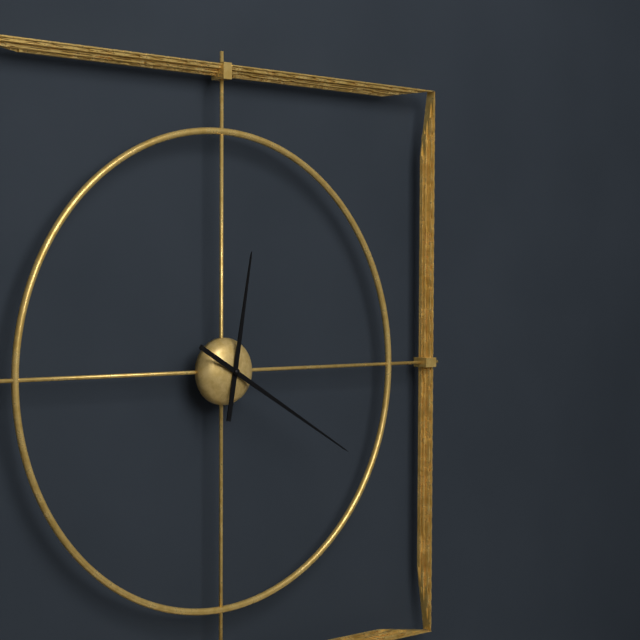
**12:20**
